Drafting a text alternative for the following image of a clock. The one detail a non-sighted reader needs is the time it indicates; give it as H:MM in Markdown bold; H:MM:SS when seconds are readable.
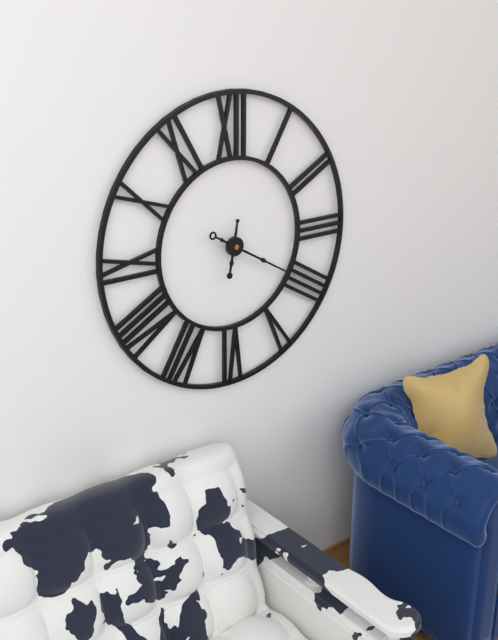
**6:20**
